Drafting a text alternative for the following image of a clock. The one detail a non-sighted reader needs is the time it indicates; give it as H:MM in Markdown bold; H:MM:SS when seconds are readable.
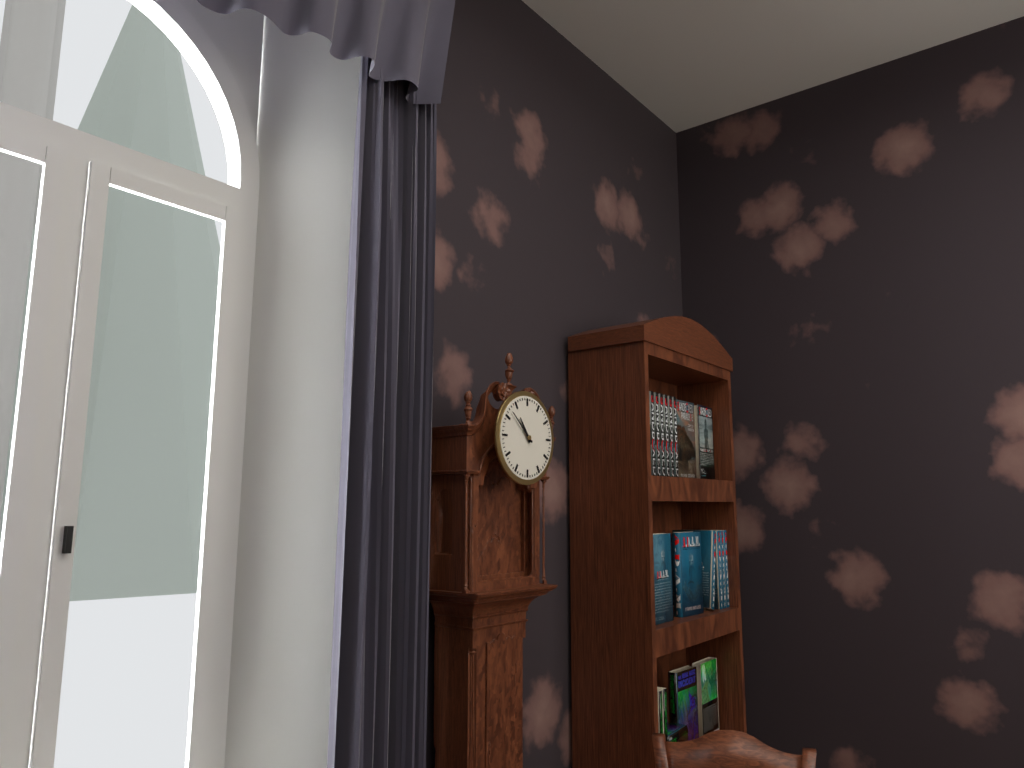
**10:52**
